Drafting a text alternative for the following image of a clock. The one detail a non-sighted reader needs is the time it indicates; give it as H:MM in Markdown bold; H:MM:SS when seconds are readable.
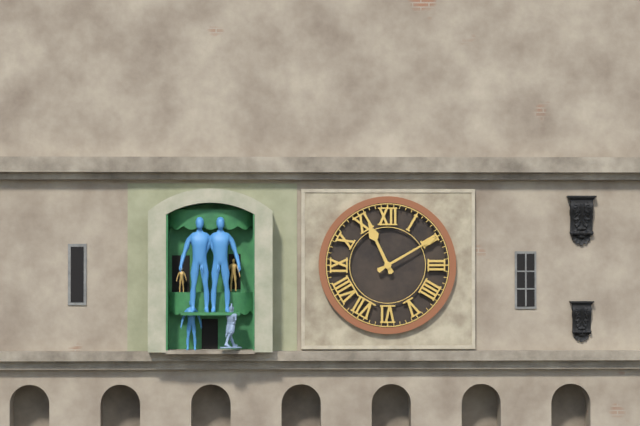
**11:10**
